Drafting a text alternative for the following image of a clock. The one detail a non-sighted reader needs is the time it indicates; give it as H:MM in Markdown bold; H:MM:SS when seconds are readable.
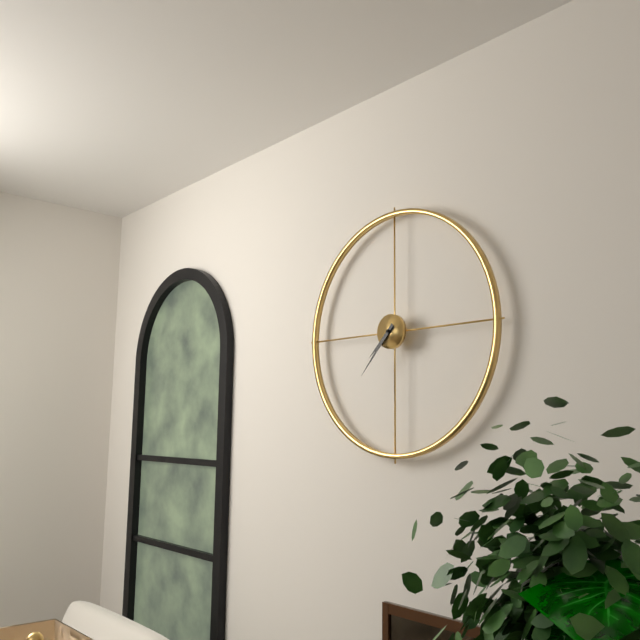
**7:37**
